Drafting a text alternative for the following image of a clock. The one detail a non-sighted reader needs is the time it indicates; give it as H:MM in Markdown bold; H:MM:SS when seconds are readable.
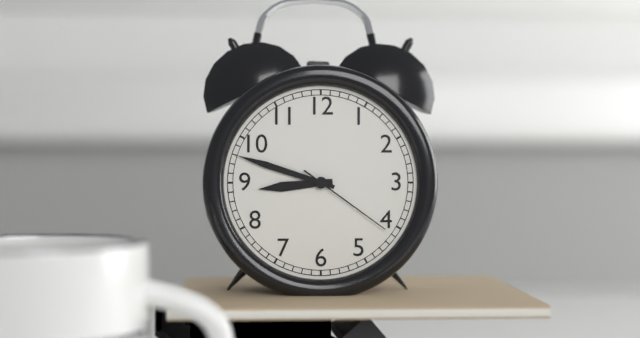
**8:48:21**
